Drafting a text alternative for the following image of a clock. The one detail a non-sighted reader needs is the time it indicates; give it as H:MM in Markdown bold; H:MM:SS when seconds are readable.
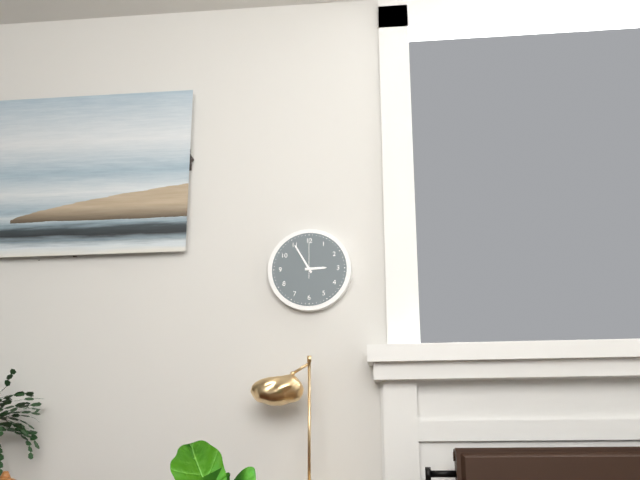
**2:55**
